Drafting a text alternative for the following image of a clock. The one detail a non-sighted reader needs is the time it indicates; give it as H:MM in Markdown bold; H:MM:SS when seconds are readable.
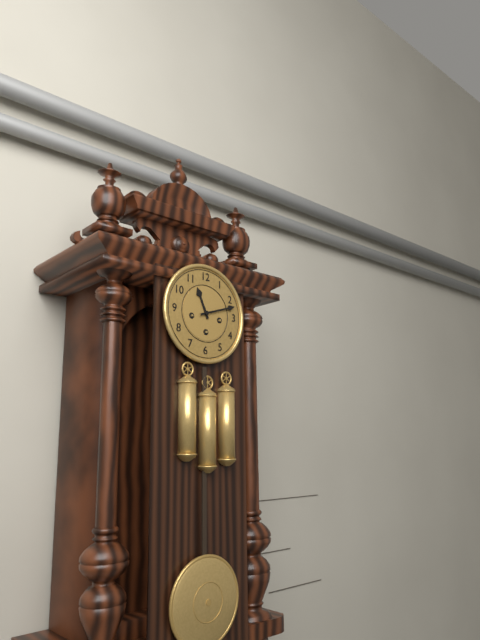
**11:12**
